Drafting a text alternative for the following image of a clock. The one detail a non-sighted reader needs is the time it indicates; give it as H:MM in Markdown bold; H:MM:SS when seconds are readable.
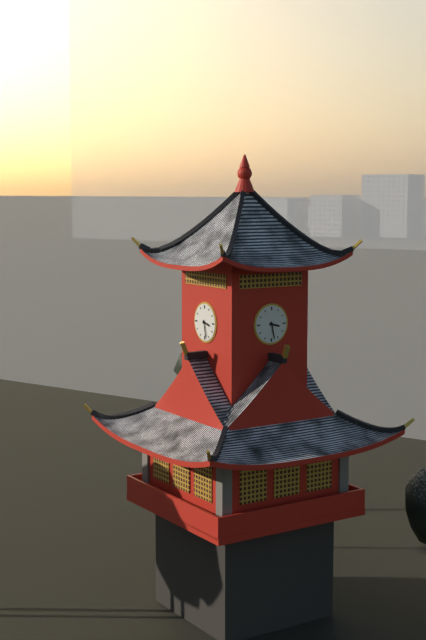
**3:28**
